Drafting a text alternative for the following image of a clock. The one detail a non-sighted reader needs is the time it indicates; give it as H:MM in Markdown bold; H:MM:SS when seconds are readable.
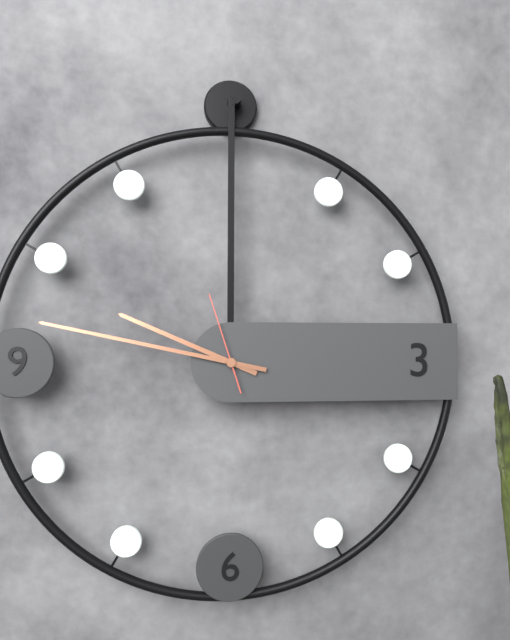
**9:47:57**
